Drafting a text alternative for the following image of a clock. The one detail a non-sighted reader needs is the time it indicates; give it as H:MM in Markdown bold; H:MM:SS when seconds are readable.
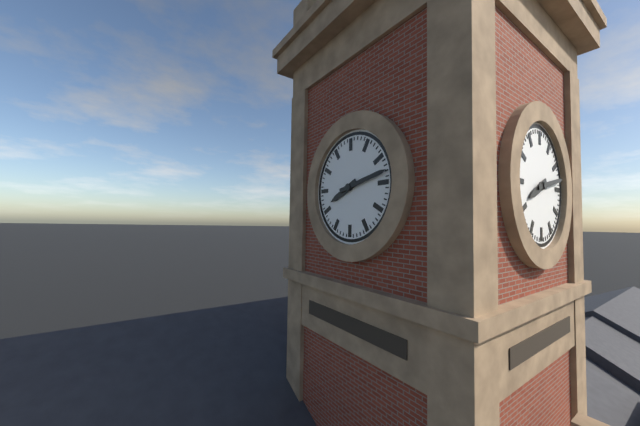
**8:13**
